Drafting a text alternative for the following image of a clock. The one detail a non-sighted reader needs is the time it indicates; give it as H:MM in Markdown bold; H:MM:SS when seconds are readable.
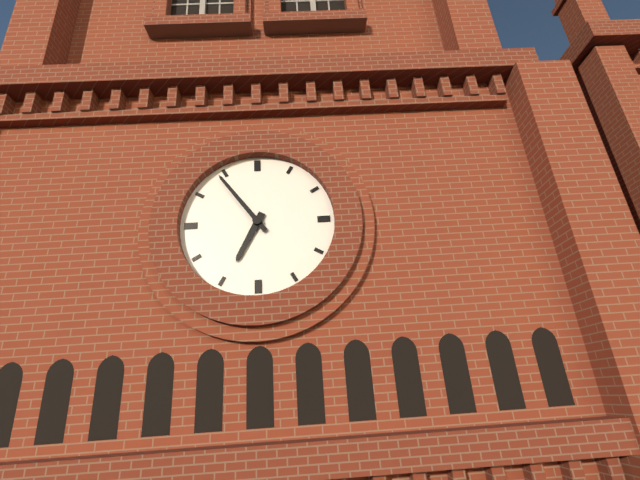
**6:54**
